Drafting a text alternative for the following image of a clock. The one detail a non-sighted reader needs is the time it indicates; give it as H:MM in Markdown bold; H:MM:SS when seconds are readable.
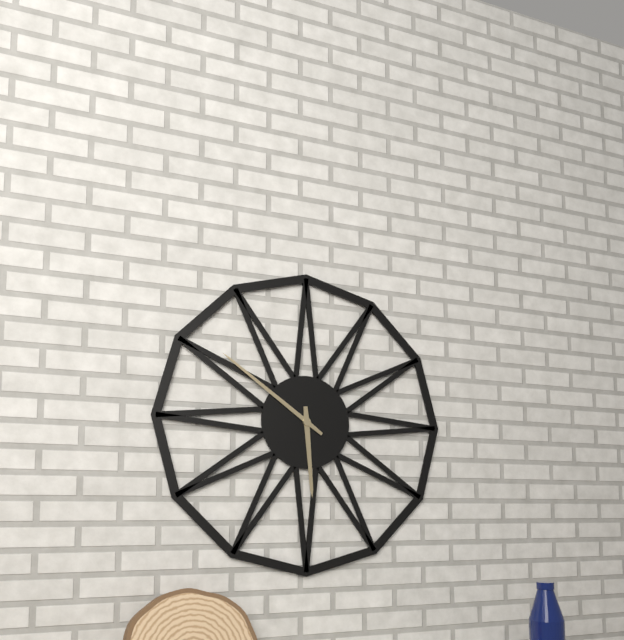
**5:51**
